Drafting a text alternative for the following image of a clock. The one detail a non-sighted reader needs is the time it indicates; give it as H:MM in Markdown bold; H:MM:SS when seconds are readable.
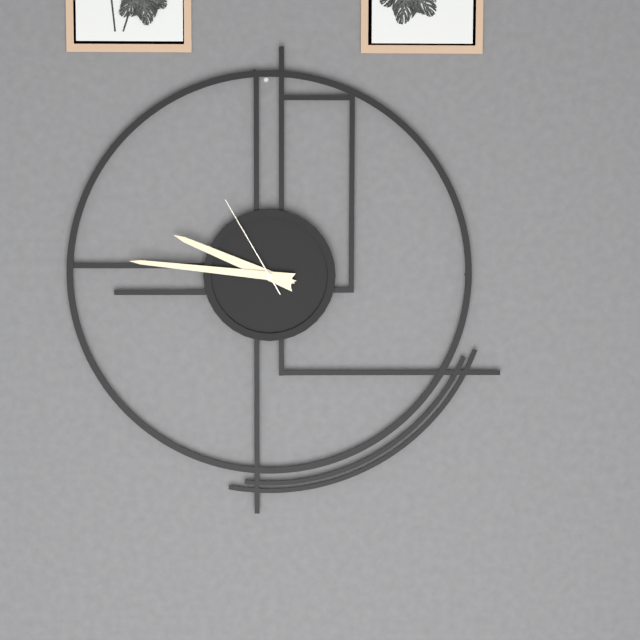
**9:46:55**
